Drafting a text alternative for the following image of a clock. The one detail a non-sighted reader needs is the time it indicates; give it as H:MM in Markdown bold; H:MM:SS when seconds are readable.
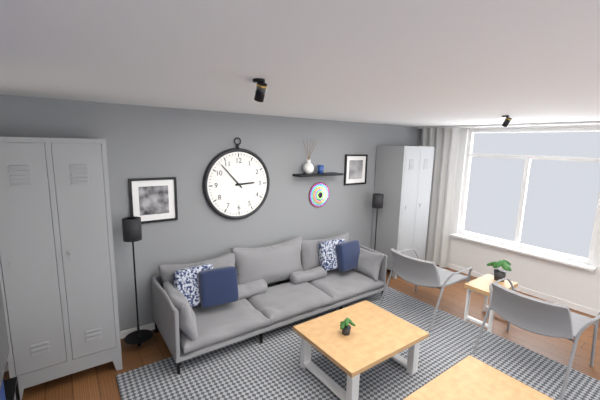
**2:53**
